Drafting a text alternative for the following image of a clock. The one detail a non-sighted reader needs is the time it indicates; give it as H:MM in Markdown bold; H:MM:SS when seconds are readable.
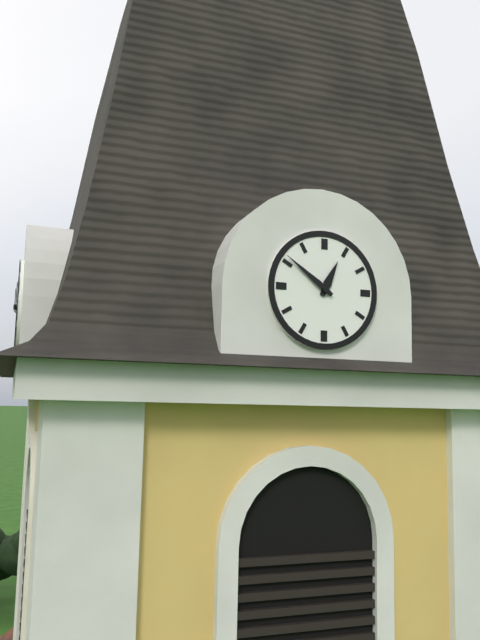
**12:51**
